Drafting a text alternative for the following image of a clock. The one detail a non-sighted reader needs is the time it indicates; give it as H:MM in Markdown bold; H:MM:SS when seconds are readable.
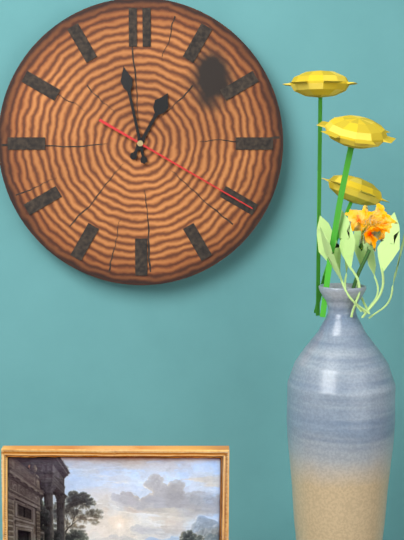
**12:58:20**
